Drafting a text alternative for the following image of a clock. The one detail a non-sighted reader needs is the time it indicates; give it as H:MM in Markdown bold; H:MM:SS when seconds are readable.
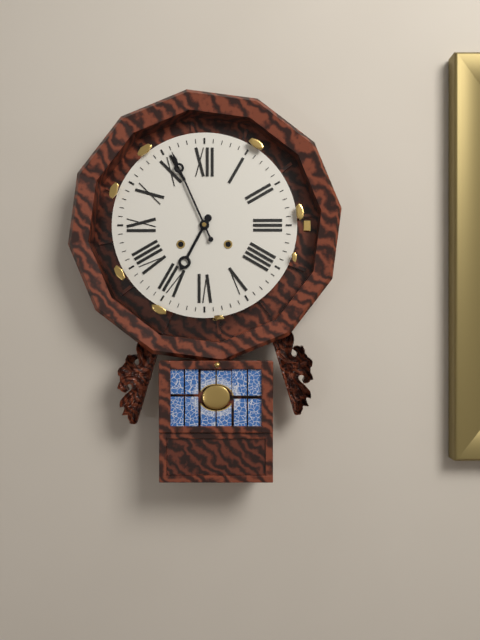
**6:56**
